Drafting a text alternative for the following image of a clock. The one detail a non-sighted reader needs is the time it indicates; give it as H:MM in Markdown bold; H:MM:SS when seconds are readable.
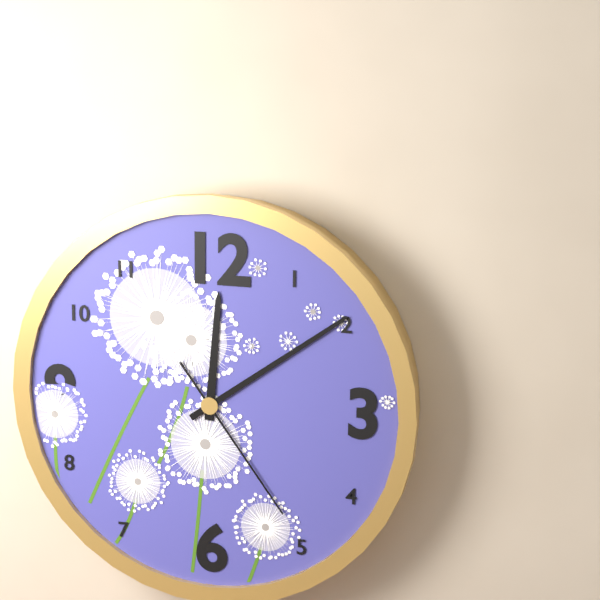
**12:09:24**
